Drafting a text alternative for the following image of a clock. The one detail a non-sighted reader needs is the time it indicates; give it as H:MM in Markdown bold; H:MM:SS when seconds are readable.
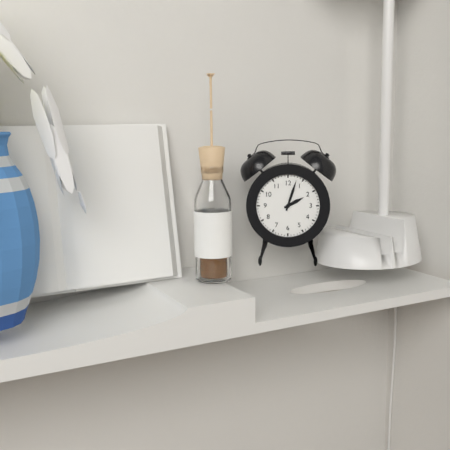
**2:03**
